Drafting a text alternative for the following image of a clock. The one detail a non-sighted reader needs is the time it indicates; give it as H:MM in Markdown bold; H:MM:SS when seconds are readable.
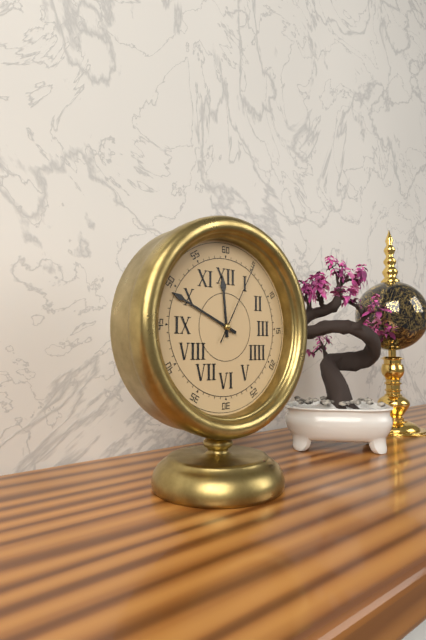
**11:49:05**
